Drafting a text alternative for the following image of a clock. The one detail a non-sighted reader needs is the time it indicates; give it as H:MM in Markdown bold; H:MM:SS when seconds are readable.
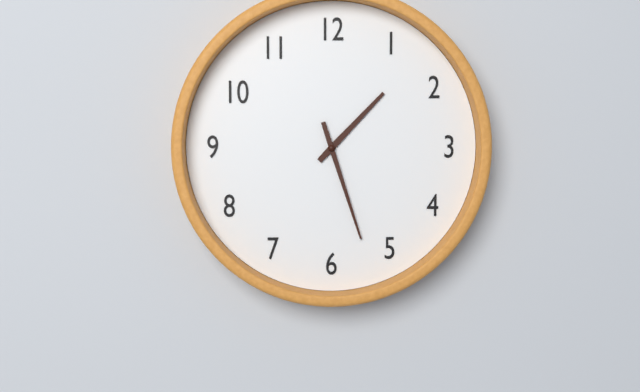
**1:27**
